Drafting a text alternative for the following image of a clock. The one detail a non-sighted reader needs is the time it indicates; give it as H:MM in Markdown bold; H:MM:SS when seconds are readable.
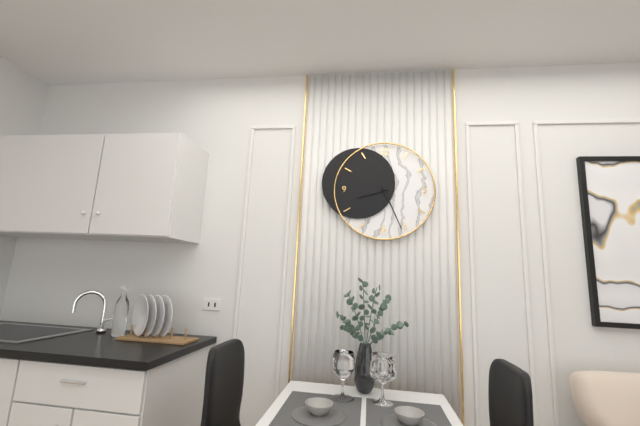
**8:26**
